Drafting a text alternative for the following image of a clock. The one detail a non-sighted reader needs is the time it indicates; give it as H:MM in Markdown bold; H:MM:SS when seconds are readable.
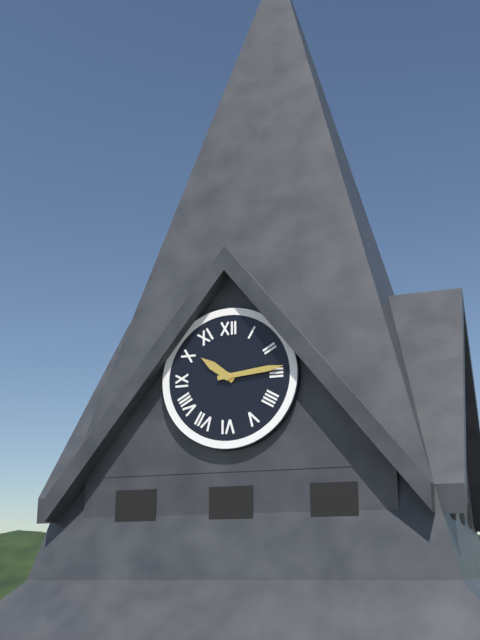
**10:14**
